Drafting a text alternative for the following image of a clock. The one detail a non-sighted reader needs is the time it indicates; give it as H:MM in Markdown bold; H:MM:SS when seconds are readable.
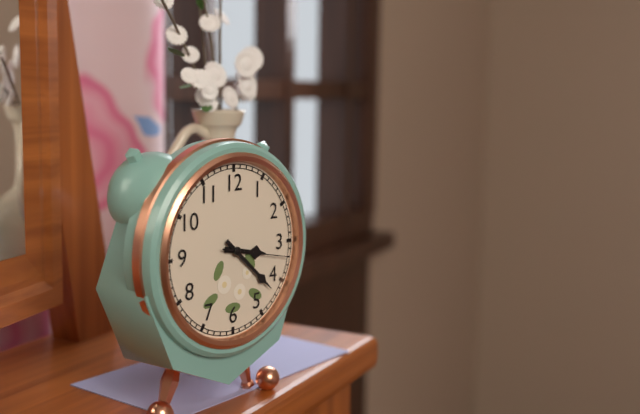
**3:22:17**
